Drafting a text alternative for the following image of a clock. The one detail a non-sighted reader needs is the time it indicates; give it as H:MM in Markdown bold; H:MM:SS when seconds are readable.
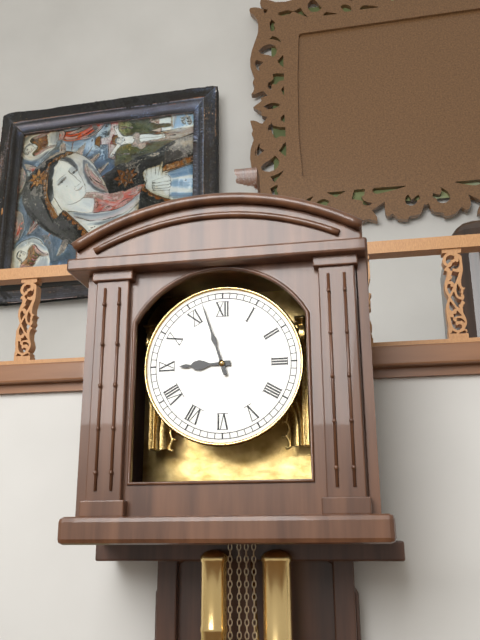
**8:57**
